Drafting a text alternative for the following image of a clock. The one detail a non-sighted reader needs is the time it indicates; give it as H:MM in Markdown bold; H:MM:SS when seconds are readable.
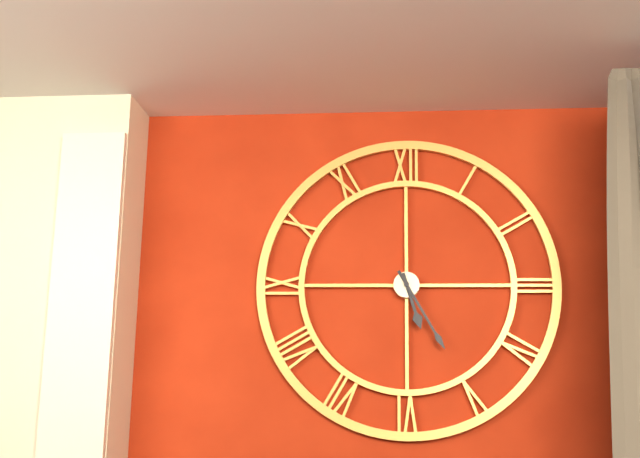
**5:25**
